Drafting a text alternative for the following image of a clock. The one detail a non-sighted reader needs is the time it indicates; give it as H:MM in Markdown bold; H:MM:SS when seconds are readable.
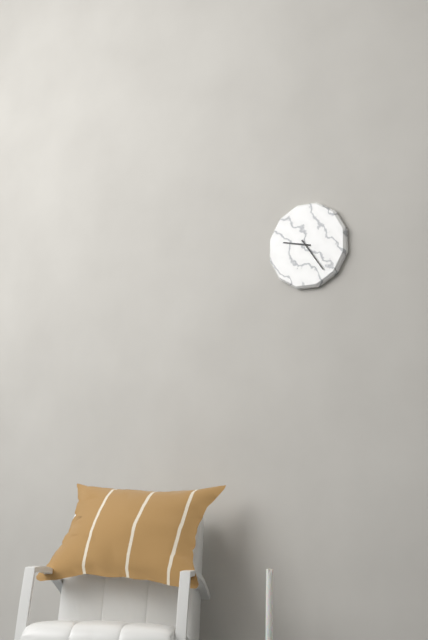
**9:24**
